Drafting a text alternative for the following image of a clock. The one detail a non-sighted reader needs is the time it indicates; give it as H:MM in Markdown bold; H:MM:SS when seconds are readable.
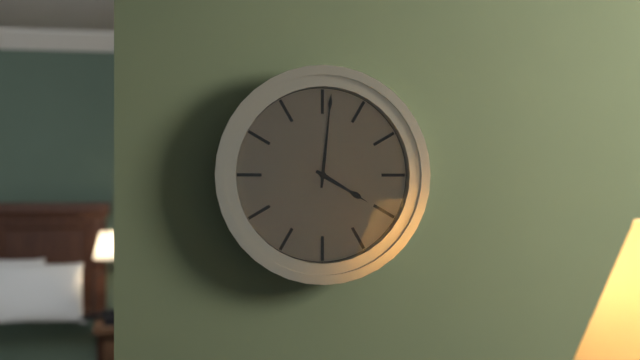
**4:01**
